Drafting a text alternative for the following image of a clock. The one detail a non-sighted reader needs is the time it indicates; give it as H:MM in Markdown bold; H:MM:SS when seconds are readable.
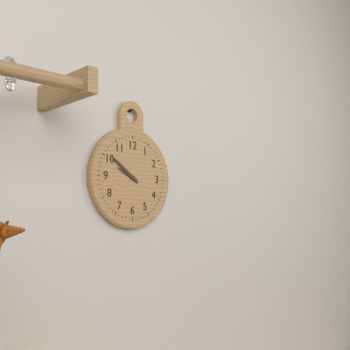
**9:51**
